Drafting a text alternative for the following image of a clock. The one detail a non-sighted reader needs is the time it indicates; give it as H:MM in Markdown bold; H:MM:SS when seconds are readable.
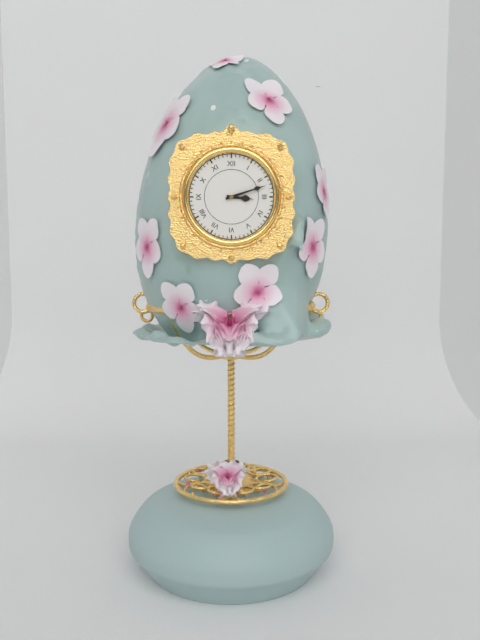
**3:12**
